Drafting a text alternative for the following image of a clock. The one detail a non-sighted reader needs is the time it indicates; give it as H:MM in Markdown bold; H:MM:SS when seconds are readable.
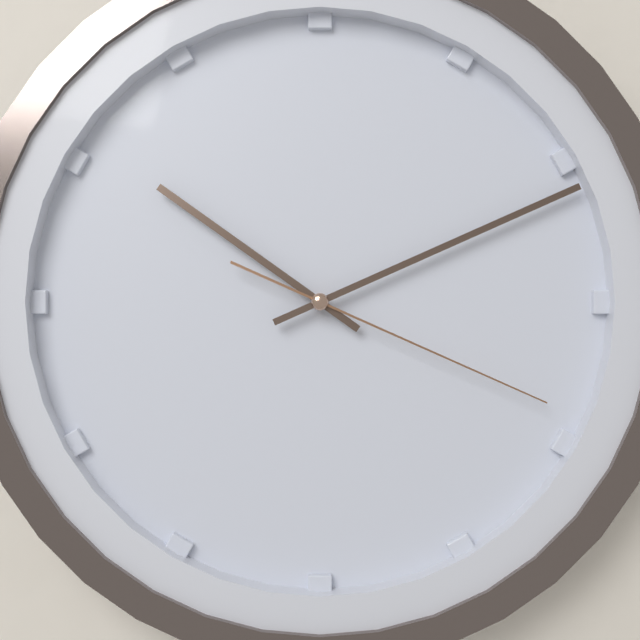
**10:11:19**
